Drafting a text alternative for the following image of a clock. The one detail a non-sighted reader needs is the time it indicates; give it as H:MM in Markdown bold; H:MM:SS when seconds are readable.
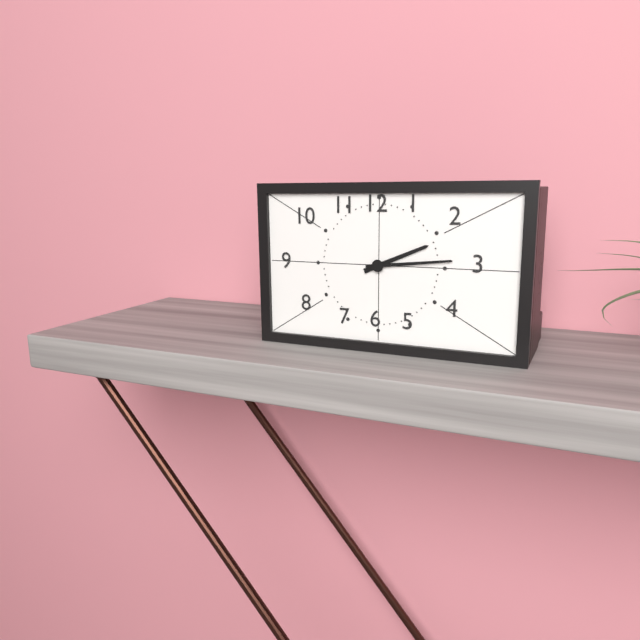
**2:14**
